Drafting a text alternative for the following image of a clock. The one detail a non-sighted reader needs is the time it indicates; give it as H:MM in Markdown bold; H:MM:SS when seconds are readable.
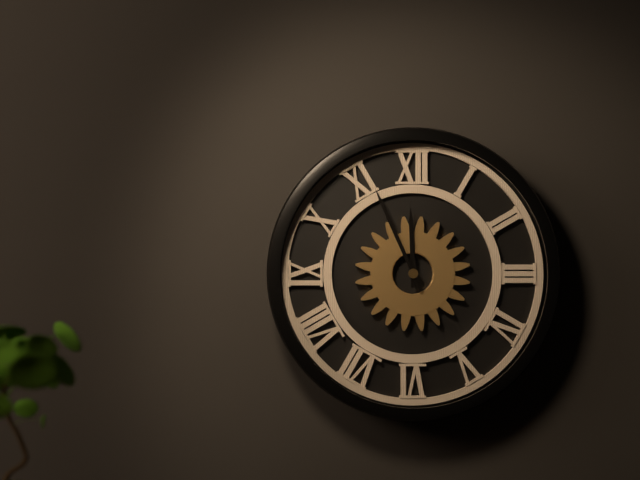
**11:56**
